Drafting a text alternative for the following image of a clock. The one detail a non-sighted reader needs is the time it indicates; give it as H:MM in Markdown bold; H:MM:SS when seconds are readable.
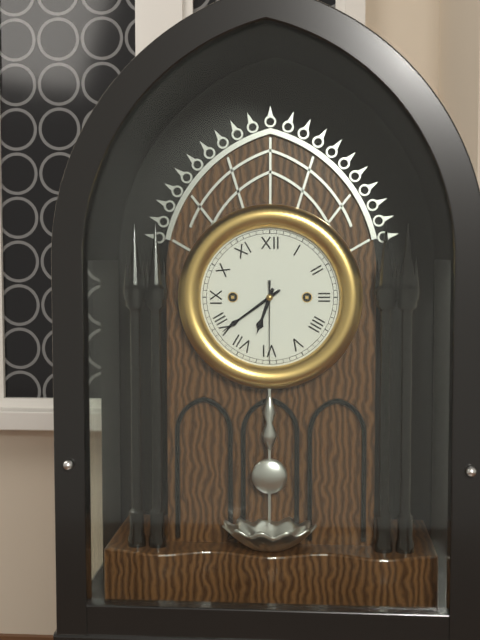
**6:39:30**
